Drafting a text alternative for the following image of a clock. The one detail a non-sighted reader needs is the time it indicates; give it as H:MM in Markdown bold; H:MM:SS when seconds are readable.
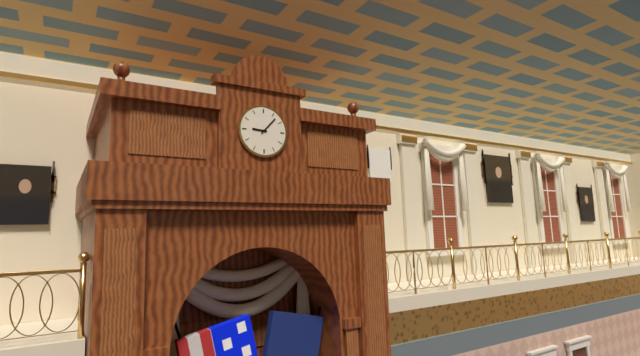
**9:07**
